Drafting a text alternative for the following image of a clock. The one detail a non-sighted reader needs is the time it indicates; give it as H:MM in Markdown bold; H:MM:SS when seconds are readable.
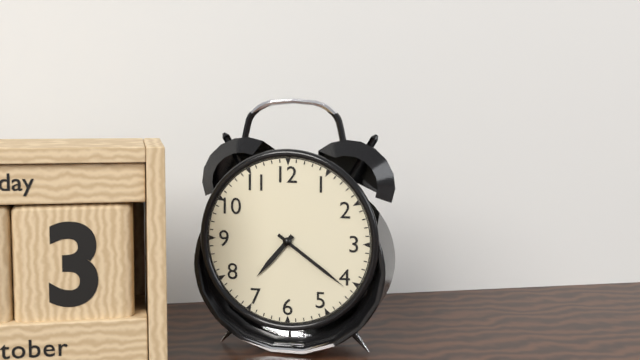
**7:21**
